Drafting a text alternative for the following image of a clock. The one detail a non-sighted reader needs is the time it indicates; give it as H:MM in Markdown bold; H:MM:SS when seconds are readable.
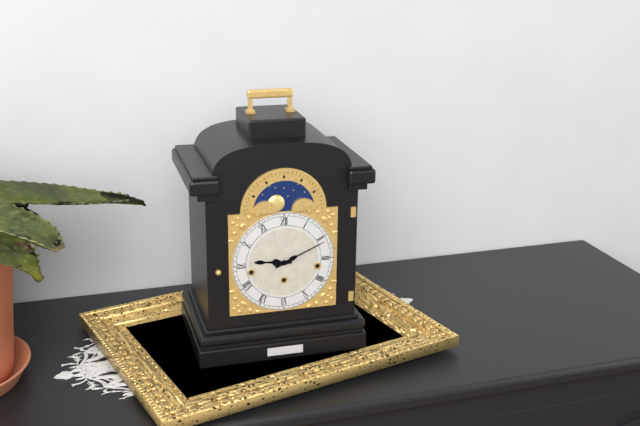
**9:11**
